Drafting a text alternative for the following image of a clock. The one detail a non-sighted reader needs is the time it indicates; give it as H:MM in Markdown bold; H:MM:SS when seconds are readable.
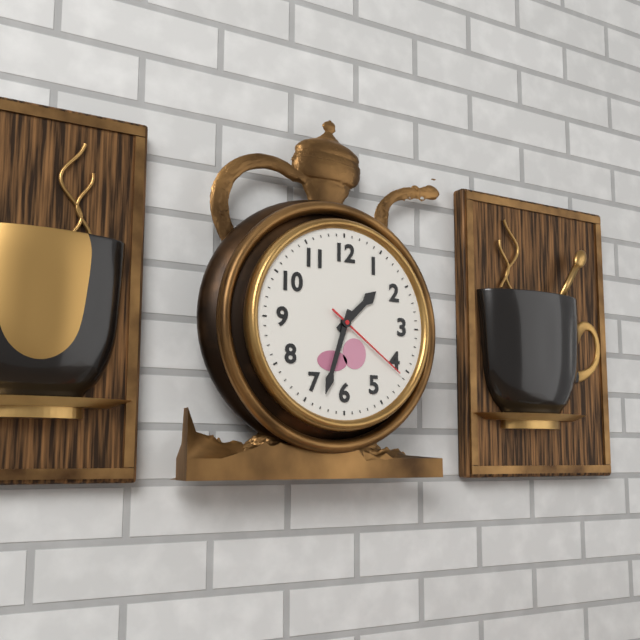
**1:33:21**
